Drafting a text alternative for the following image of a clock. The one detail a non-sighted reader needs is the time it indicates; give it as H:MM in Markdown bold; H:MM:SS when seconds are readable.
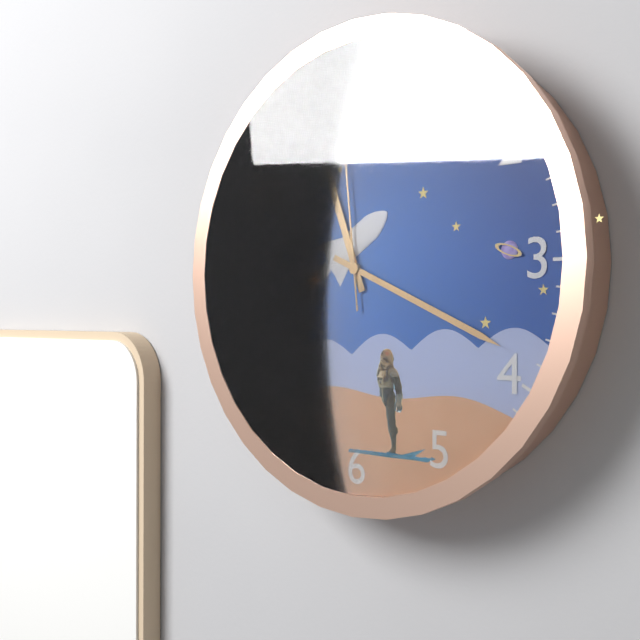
**11:19:59**
